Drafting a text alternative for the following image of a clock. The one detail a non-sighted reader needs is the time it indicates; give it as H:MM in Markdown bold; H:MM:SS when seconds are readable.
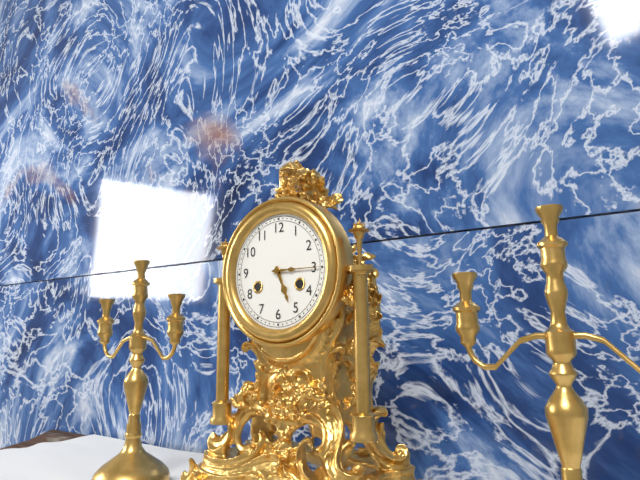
**5:15**
